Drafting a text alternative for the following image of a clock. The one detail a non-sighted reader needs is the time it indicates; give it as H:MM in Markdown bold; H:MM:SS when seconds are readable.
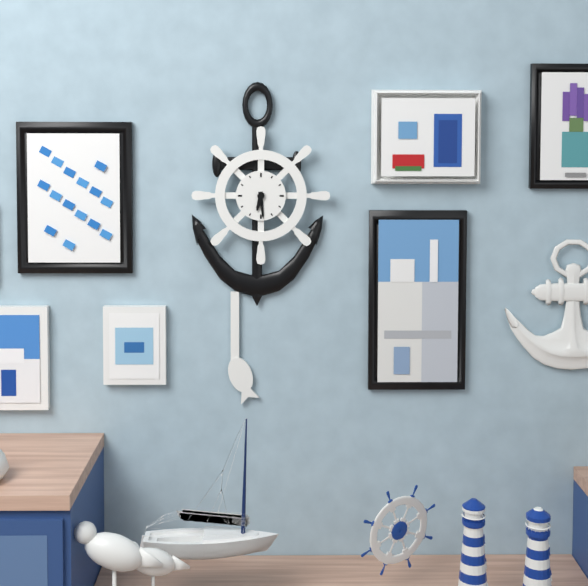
**6:29**
